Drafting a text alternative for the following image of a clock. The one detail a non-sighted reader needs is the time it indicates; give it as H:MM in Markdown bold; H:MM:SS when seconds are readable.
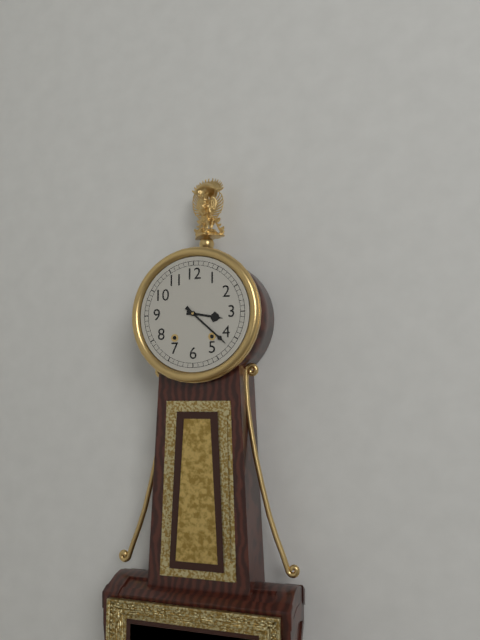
**3:22**
